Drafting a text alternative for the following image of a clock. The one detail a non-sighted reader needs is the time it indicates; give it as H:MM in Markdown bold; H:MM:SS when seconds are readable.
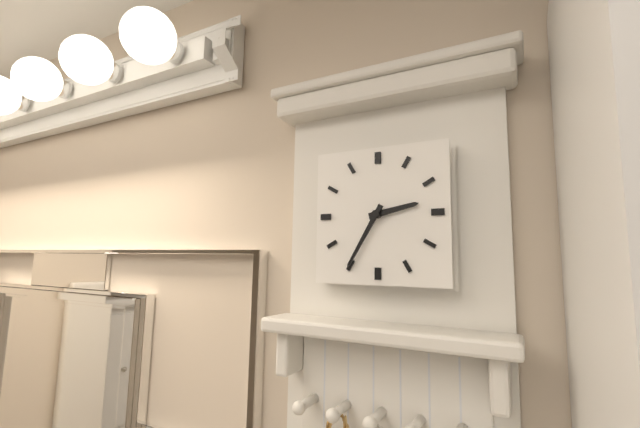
**2:35**
